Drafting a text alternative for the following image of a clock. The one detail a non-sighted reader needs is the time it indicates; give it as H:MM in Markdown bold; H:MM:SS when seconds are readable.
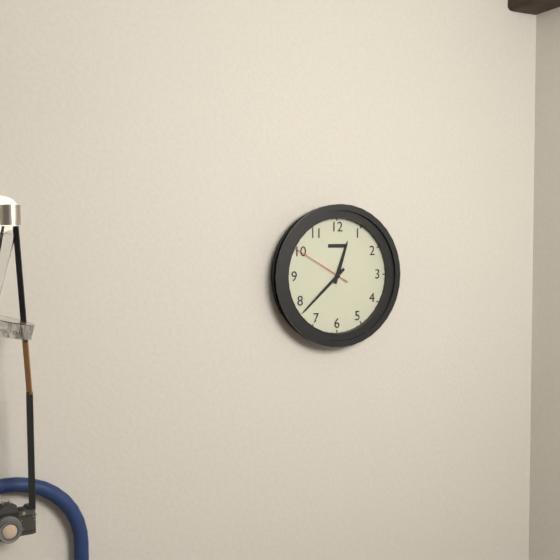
**12:38:50**
